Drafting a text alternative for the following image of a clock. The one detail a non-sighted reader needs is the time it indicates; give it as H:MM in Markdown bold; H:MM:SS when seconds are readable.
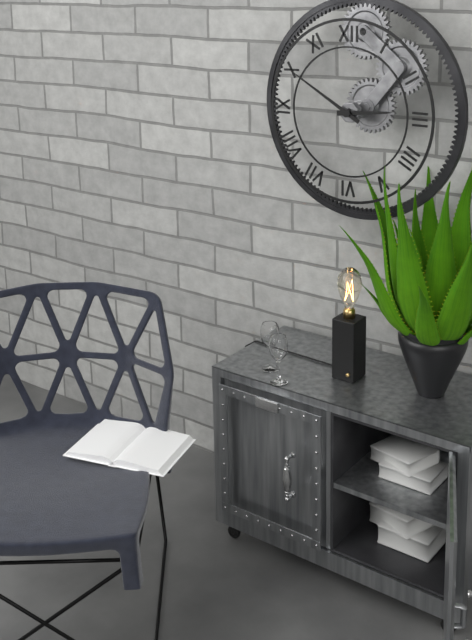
**2:50**
